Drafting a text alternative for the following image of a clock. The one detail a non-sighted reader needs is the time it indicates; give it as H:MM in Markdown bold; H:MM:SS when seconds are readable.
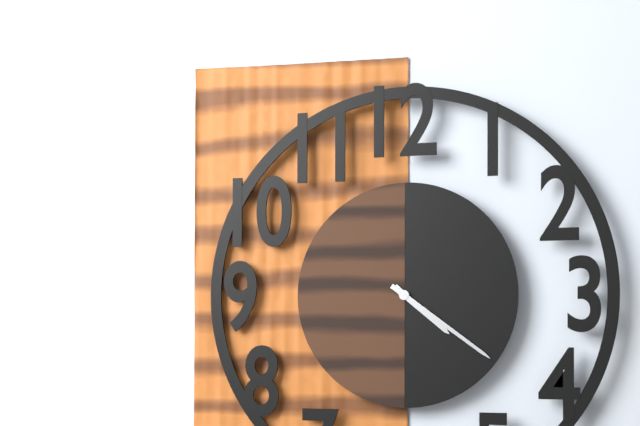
**4:21**
